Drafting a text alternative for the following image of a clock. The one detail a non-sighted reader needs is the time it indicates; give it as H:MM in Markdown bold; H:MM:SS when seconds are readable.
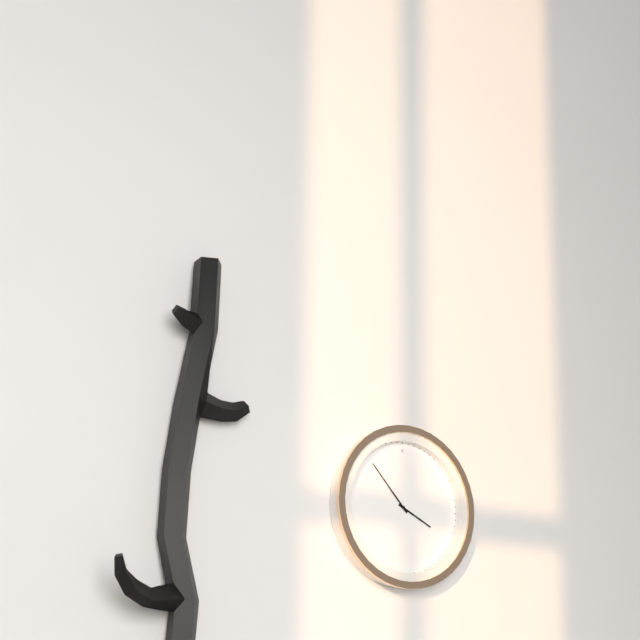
**3:53**
